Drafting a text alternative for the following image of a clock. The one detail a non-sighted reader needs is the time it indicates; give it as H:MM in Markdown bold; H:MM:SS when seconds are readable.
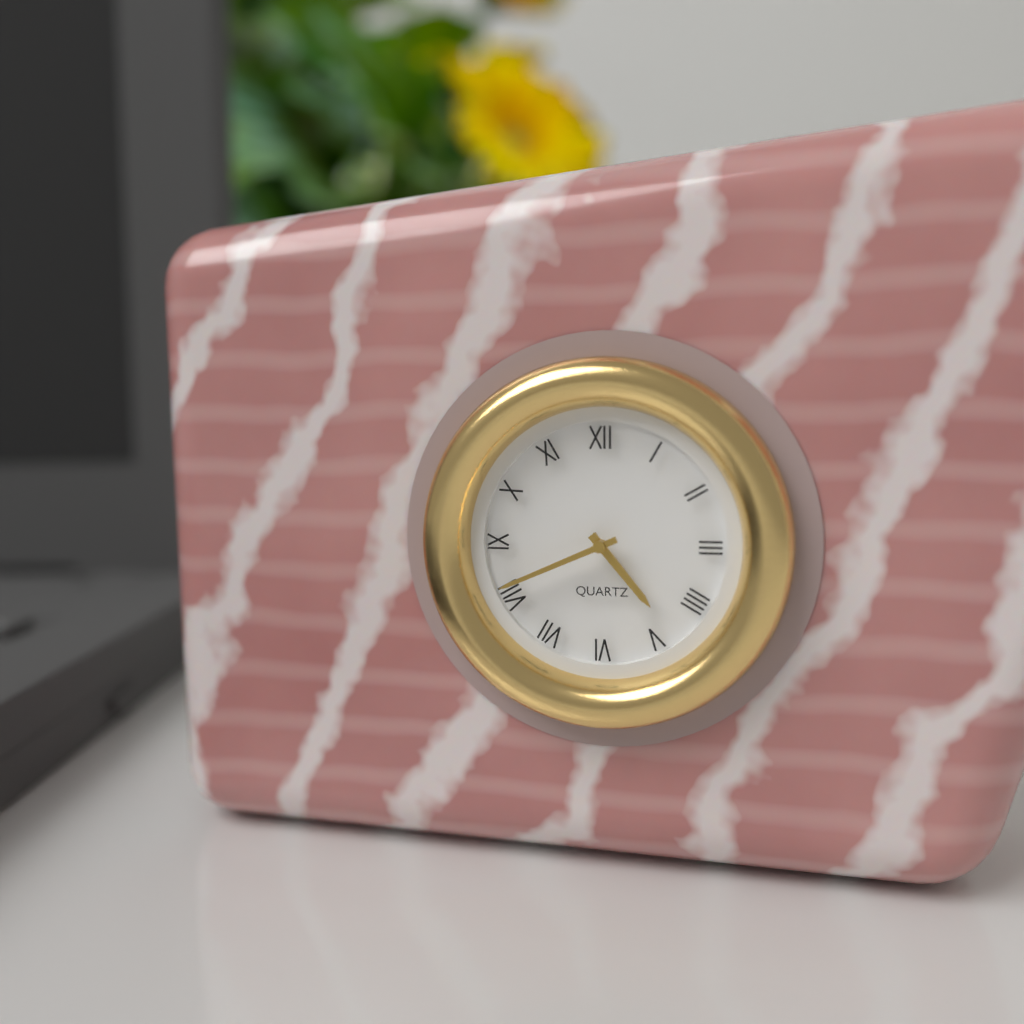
**4:41**
